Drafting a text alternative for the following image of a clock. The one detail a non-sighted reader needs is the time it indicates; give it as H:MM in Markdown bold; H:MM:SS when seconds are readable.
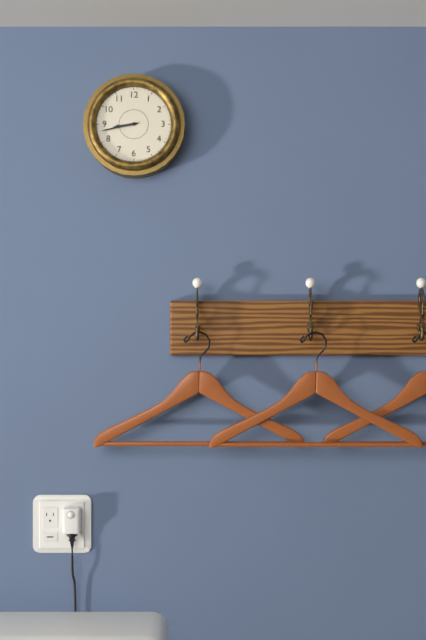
**8:43**
